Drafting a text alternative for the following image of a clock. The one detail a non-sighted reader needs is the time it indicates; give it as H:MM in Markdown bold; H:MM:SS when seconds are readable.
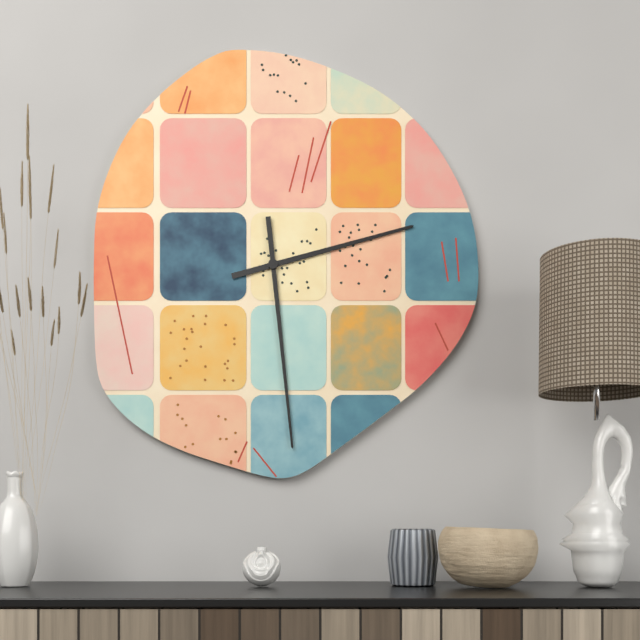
**2:29**
